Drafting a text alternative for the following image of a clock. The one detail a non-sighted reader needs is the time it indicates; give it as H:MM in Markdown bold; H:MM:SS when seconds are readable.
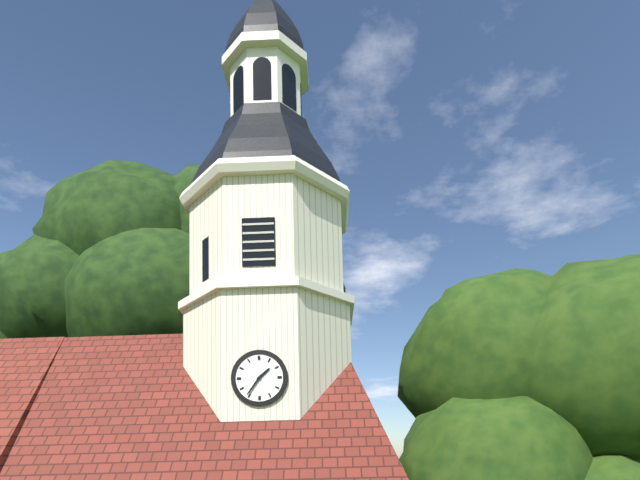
**1:36**
